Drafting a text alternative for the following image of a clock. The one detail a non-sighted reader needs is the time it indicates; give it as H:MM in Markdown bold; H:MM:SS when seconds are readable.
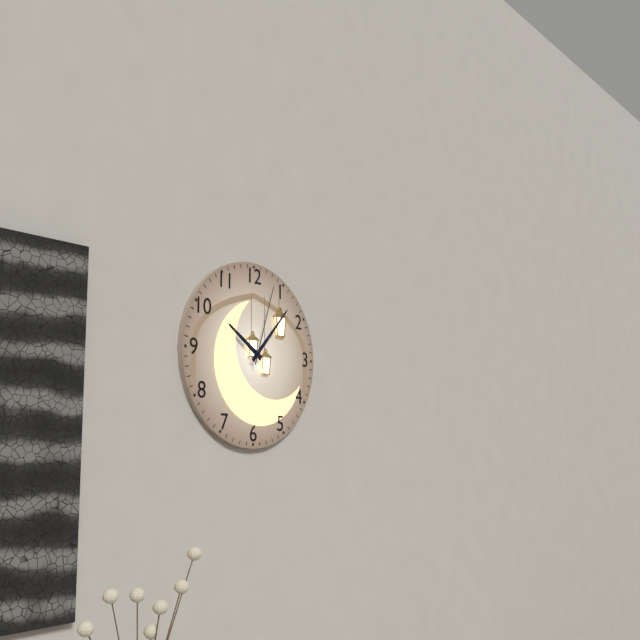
**10:07:03**
